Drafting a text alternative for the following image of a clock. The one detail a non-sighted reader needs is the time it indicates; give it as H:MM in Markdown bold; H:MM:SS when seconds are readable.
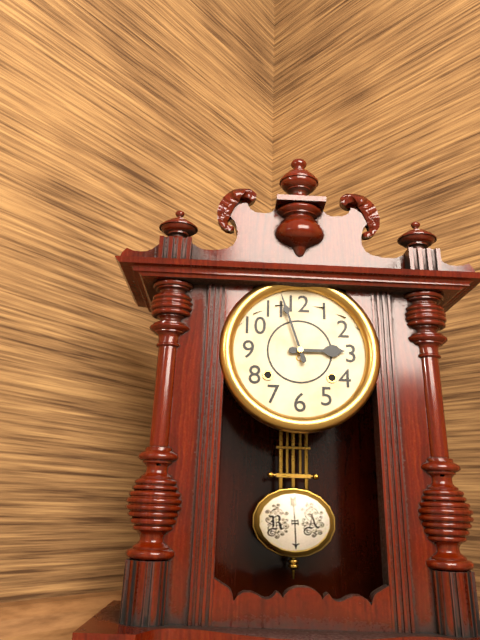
**2:57**
